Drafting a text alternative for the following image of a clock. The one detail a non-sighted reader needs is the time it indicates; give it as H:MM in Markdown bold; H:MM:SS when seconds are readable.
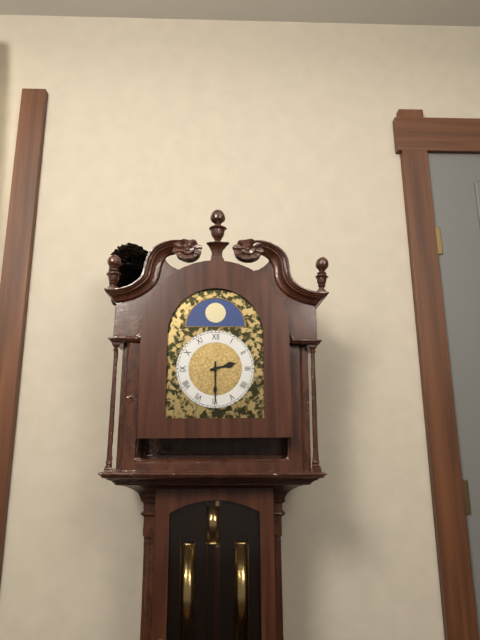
**2:30**
